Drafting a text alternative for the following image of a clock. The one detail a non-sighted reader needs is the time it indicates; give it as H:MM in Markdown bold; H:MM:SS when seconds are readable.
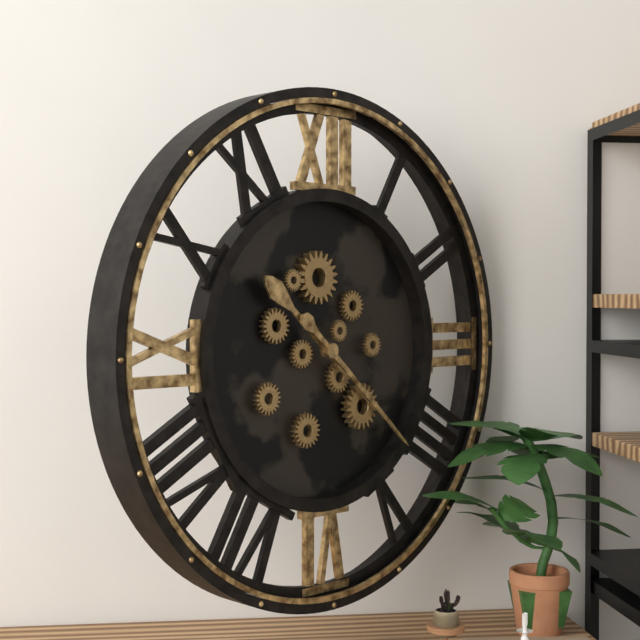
**10:22**
